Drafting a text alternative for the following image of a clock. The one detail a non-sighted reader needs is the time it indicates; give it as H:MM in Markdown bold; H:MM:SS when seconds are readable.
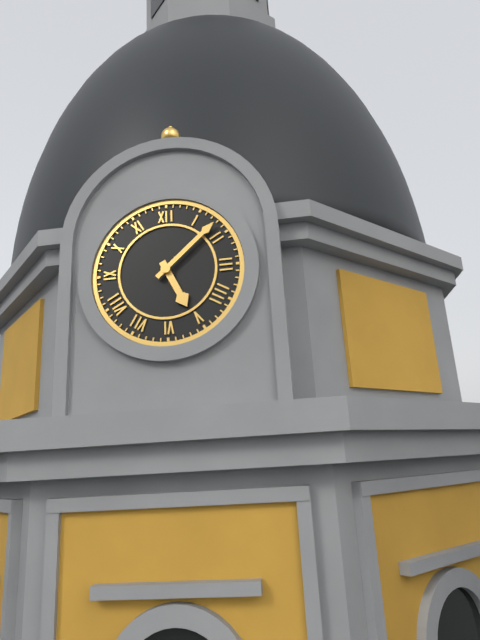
**5:08**
